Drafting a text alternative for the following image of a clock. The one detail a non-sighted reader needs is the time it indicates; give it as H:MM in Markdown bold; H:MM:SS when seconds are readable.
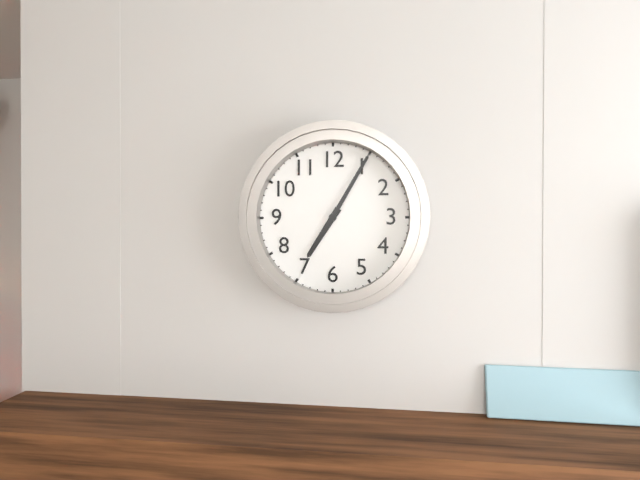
**7:05**
